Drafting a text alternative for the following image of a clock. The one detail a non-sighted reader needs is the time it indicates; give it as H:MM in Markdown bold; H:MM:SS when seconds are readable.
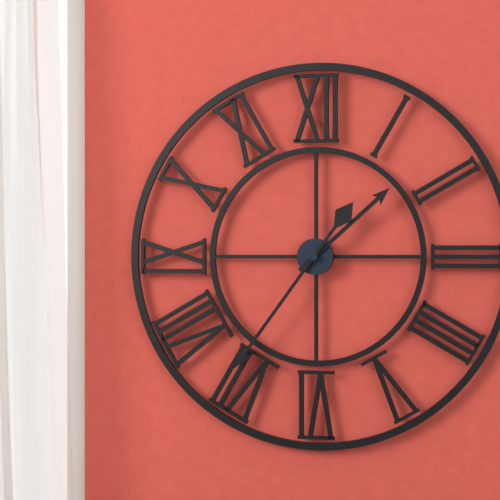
**1:36**
